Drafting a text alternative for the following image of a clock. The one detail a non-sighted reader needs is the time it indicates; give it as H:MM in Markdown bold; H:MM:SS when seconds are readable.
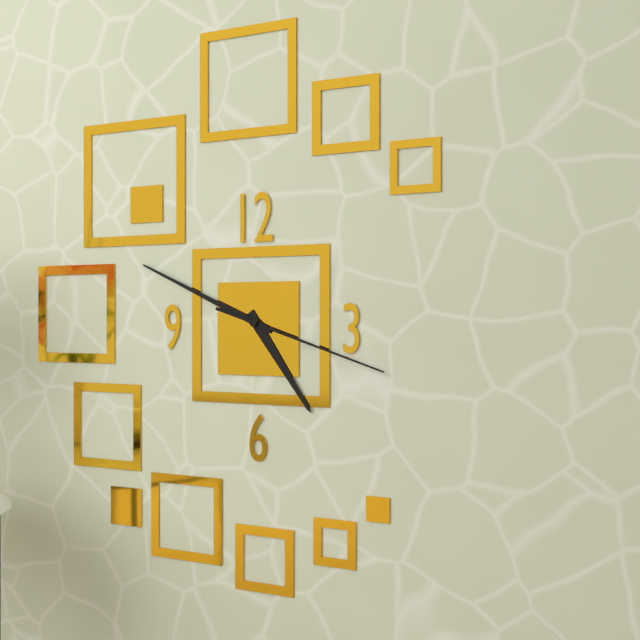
**4:49:18**
